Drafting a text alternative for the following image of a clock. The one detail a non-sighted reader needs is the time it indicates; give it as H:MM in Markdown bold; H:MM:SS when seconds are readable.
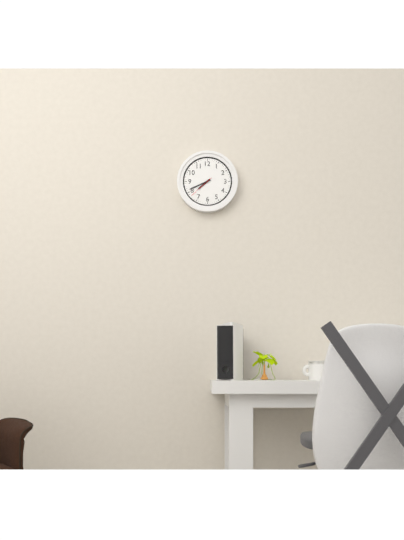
**7:41**
